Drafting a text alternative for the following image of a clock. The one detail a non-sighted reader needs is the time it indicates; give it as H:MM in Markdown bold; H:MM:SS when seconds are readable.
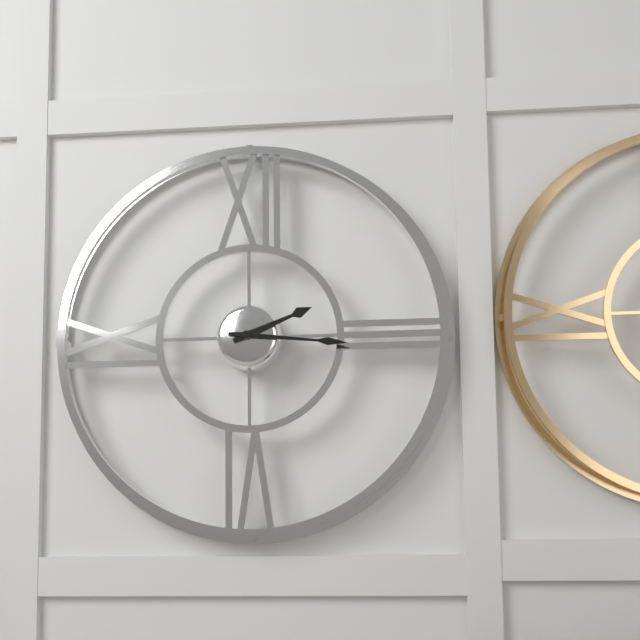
**2:16**
